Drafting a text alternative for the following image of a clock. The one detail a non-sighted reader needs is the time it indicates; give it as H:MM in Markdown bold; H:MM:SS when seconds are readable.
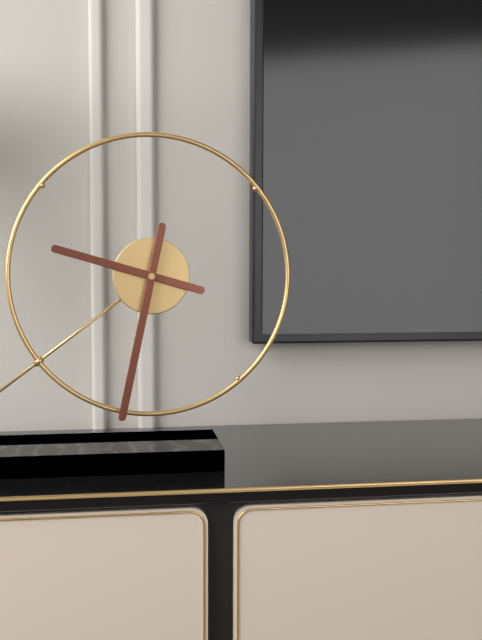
**9:32**
